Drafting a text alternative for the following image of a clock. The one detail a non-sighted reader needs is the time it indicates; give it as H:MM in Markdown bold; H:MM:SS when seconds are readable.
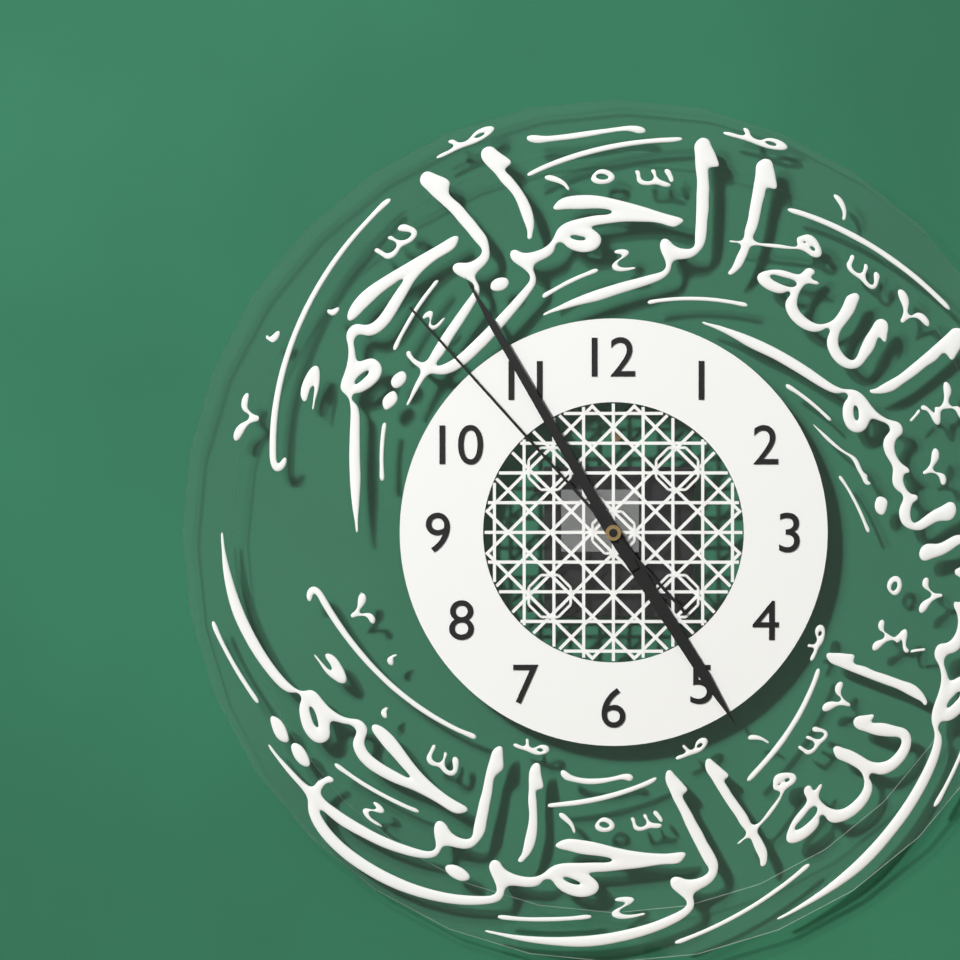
**4:55:53**
